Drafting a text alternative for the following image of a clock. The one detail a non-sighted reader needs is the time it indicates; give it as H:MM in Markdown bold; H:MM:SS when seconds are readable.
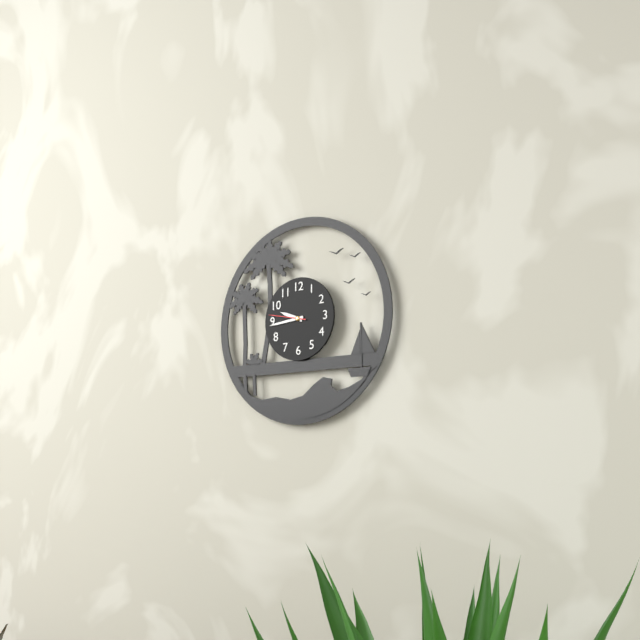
**9:44**
